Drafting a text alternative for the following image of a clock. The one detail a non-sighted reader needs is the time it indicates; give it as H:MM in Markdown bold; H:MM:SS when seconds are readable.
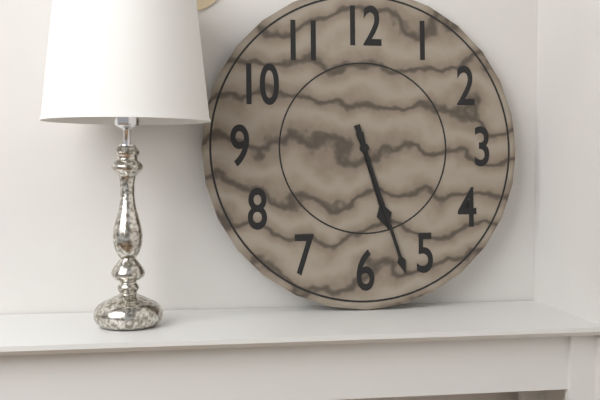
**5:27**
